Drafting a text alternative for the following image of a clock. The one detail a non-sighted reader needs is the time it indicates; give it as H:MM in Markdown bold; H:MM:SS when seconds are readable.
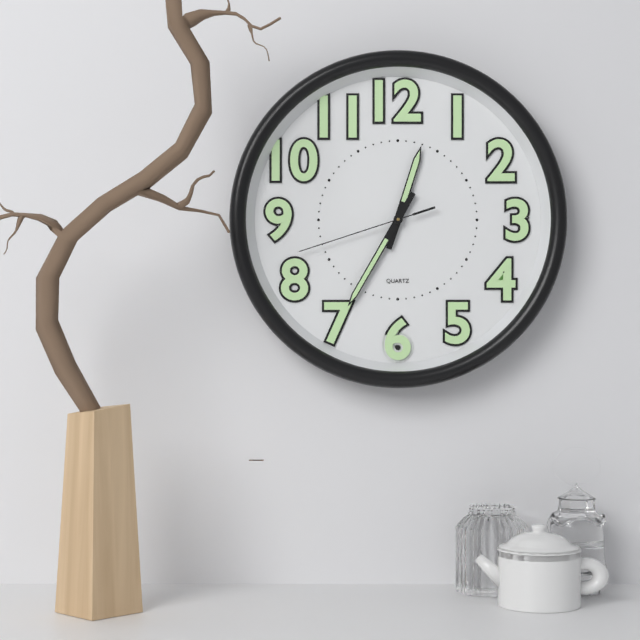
**12:35:42**
